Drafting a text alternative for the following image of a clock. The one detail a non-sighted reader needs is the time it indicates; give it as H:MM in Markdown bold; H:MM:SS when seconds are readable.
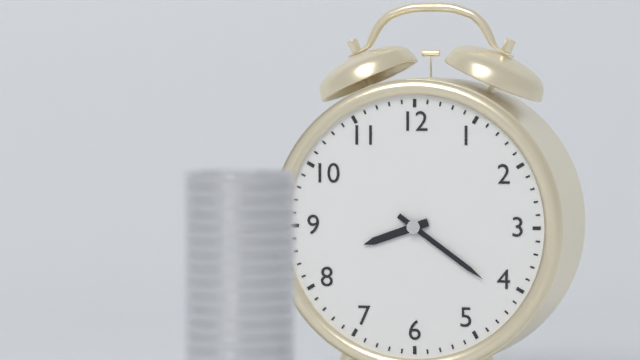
**8:21**
